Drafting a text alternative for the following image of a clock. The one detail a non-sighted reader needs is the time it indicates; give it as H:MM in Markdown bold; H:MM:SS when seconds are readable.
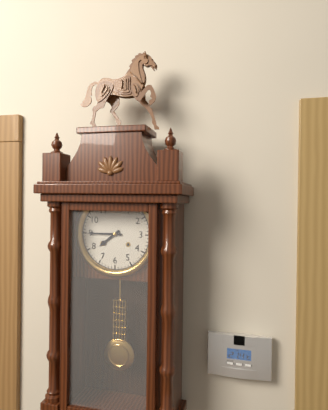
**7:45**
